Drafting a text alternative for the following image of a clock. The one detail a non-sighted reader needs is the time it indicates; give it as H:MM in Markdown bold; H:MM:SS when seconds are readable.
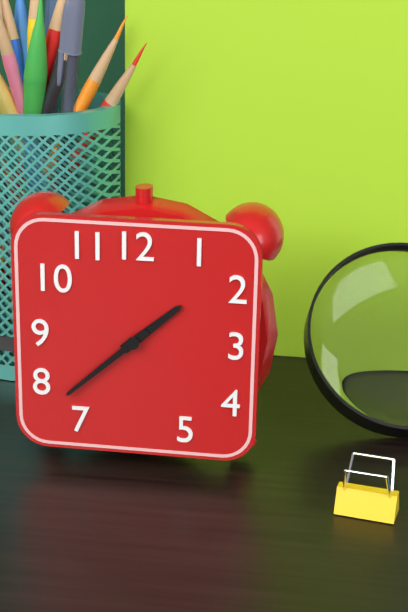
**1:38**
